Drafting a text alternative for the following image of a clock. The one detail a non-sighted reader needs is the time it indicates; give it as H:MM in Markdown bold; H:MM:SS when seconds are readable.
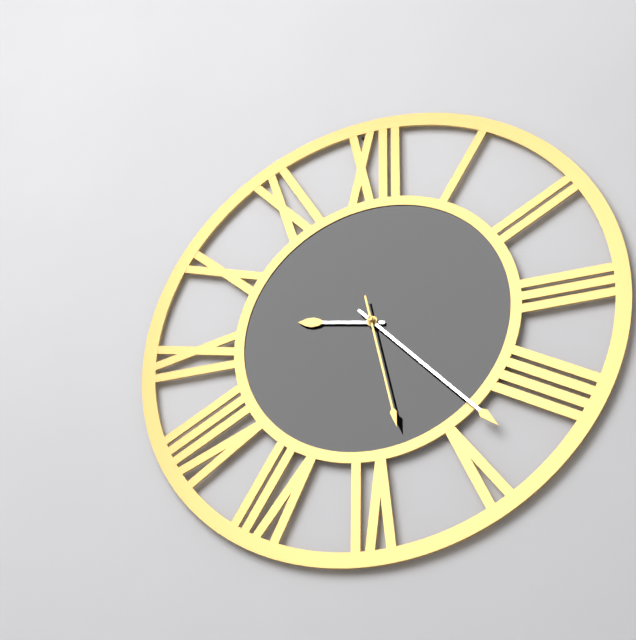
**9:23:28**
